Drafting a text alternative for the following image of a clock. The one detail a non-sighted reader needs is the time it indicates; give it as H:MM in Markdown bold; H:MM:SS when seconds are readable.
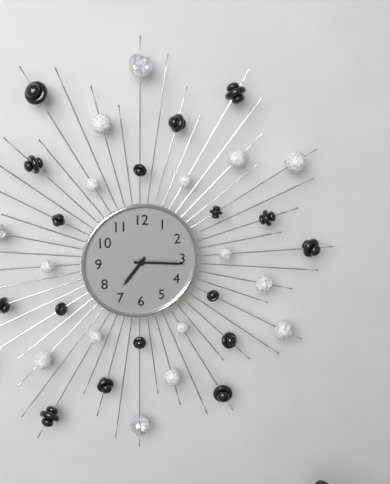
**7:16**
